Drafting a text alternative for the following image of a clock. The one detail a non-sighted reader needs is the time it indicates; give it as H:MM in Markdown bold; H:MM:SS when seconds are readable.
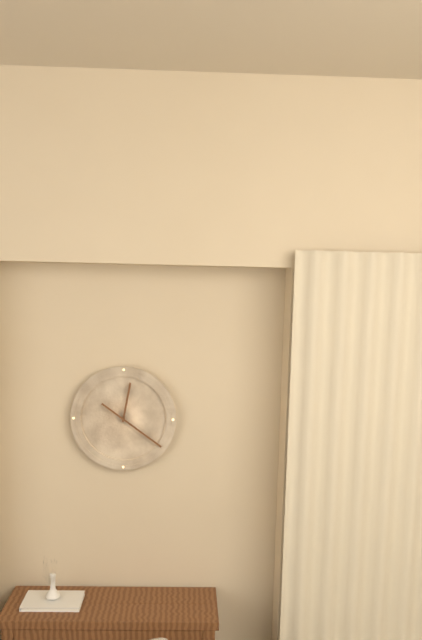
**12:21**
